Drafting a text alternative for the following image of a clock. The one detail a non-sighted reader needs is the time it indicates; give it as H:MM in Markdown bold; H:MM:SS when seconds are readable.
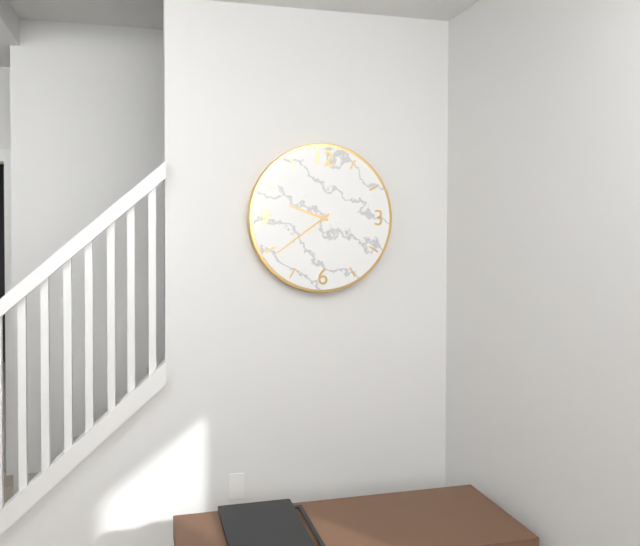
**9:39**
